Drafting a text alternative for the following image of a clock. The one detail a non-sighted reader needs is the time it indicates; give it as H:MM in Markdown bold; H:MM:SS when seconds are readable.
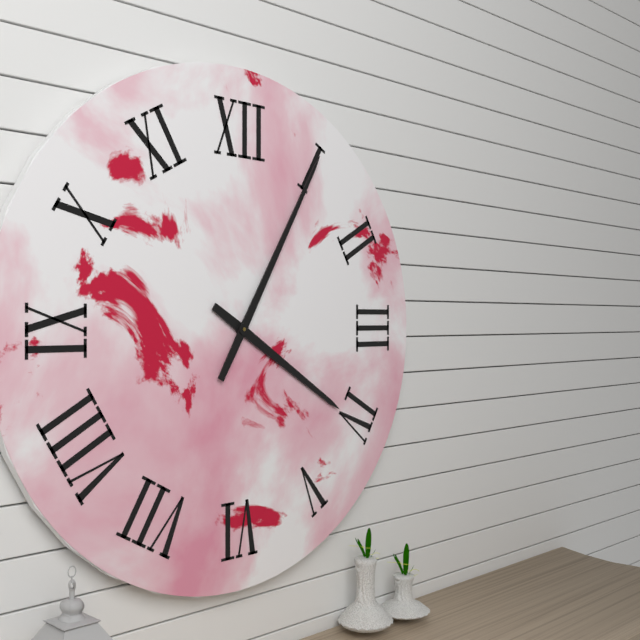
**4:05**
